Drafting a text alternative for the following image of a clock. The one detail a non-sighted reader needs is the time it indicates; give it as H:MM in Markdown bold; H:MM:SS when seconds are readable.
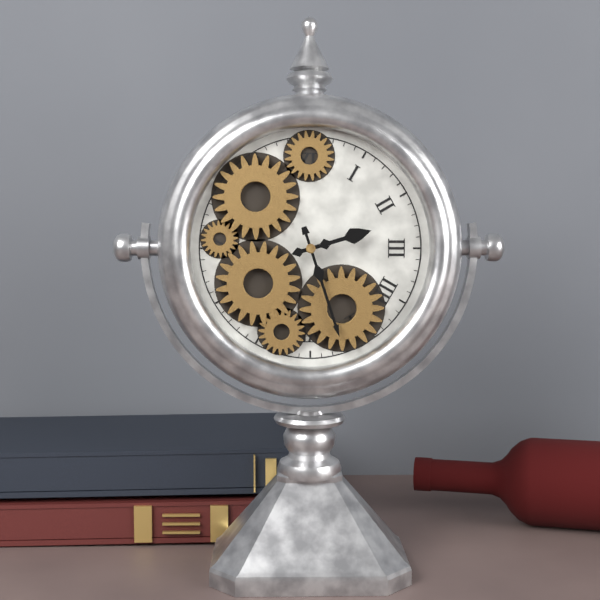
**2:27**
